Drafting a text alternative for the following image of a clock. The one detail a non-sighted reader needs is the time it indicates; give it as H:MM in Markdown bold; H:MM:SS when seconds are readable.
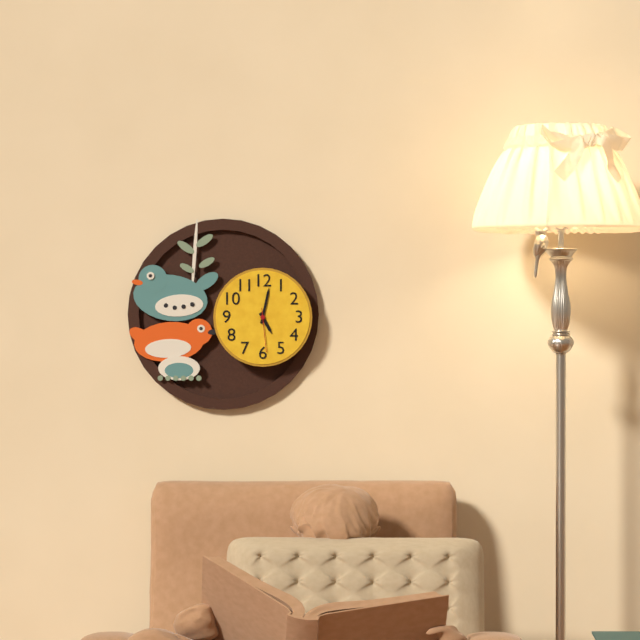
**5:02**
